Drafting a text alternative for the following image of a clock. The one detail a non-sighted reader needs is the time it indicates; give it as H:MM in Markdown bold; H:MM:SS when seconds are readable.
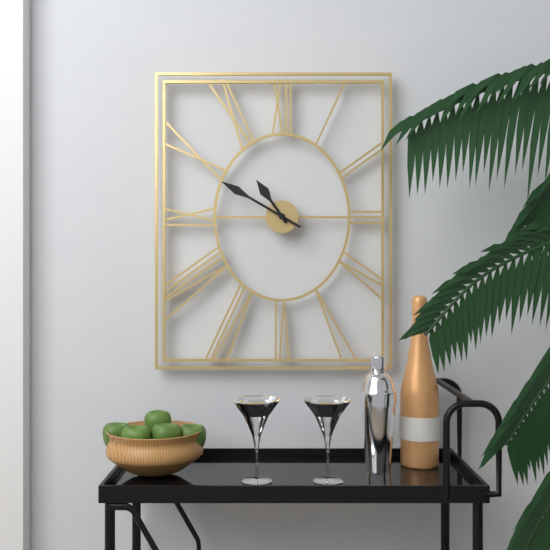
**10:50**
